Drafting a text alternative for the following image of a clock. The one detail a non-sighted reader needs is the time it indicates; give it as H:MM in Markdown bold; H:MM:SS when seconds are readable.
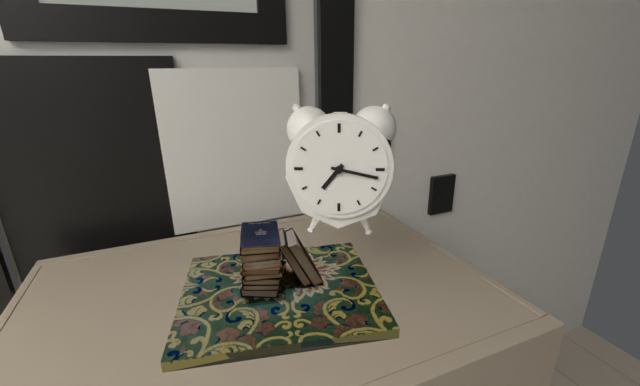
**7:17**
